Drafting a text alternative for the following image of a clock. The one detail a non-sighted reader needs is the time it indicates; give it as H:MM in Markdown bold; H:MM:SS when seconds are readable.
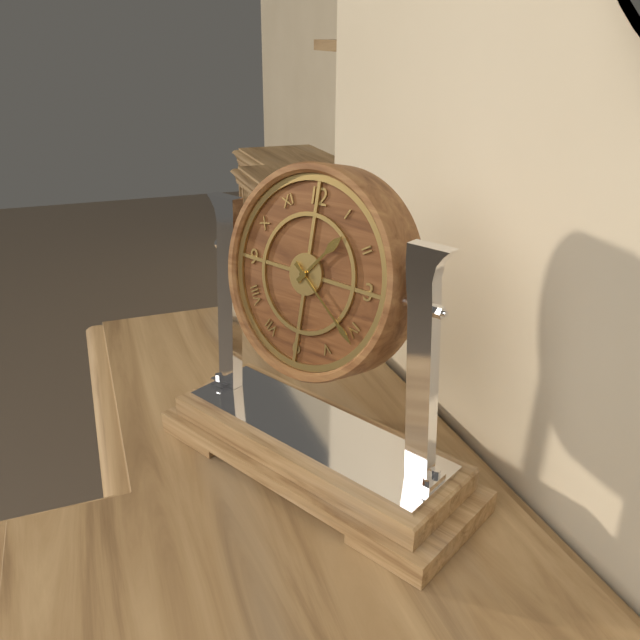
**1:21**
